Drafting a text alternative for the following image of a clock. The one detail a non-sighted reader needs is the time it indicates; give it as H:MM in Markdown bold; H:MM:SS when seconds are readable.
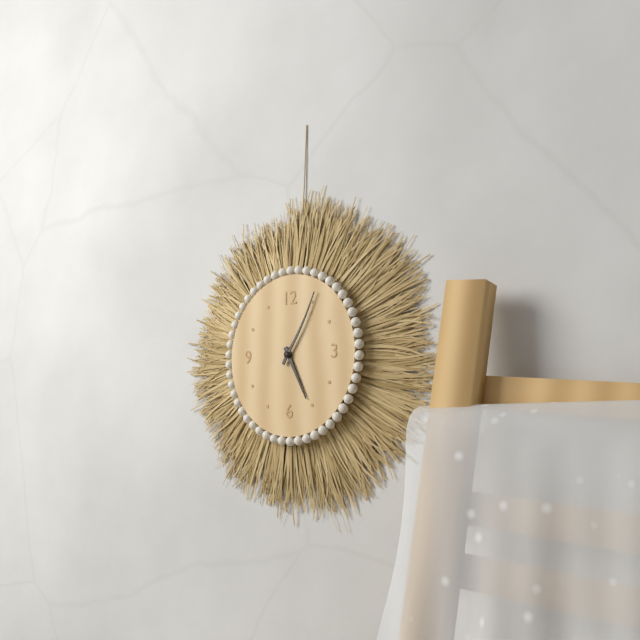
**5:05**
